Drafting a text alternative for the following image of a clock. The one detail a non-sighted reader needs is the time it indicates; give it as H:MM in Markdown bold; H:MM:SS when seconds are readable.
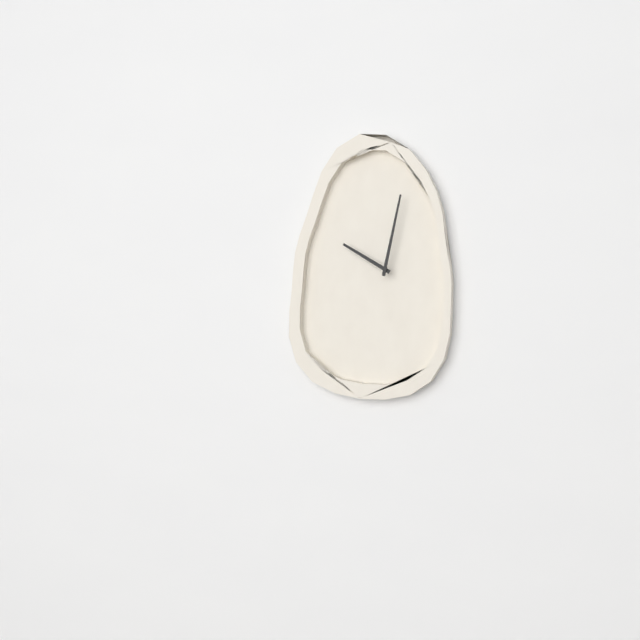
**10:02**
